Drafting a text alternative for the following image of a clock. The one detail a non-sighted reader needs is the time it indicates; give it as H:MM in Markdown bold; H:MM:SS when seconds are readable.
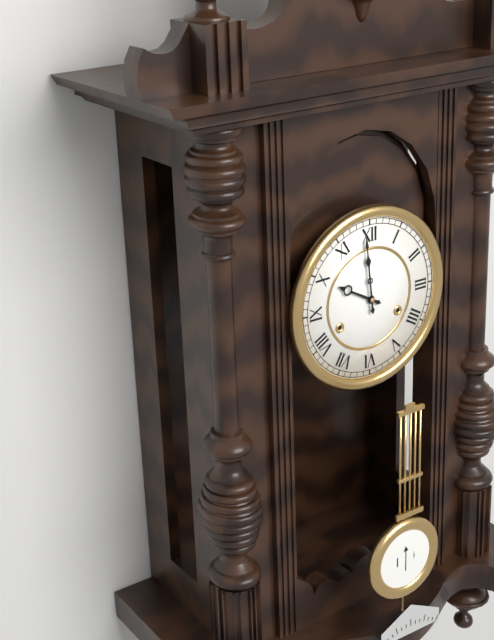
**9:59**
